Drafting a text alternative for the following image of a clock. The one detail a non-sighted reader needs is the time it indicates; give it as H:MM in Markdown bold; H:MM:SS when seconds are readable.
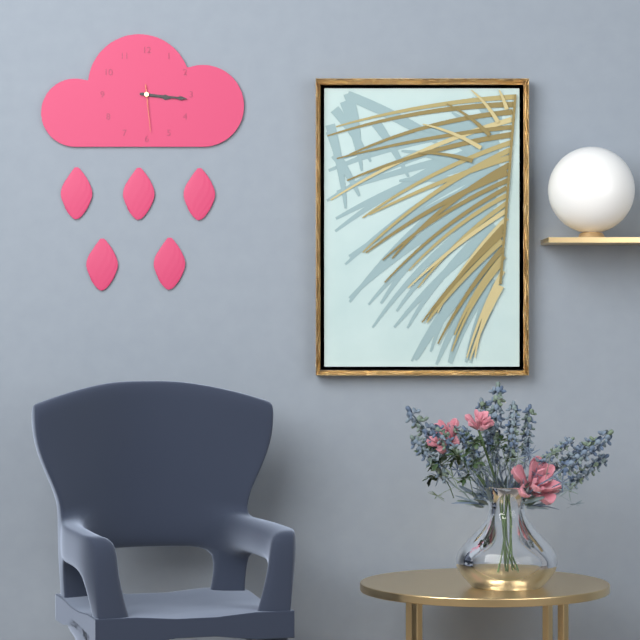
**3:16**
